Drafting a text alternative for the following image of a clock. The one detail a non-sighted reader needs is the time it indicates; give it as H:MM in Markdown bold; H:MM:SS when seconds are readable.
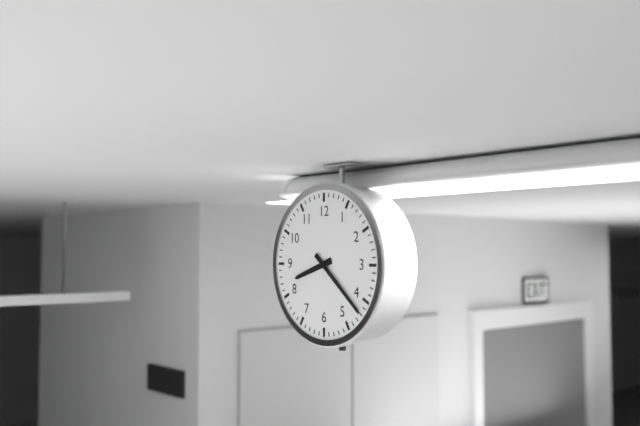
**8:22**
